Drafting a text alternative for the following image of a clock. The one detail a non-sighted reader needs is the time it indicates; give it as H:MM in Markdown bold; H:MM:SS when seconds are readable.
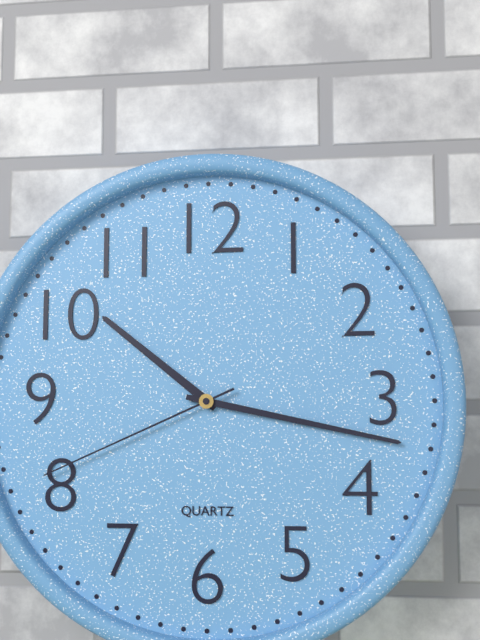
**10:17:41**
